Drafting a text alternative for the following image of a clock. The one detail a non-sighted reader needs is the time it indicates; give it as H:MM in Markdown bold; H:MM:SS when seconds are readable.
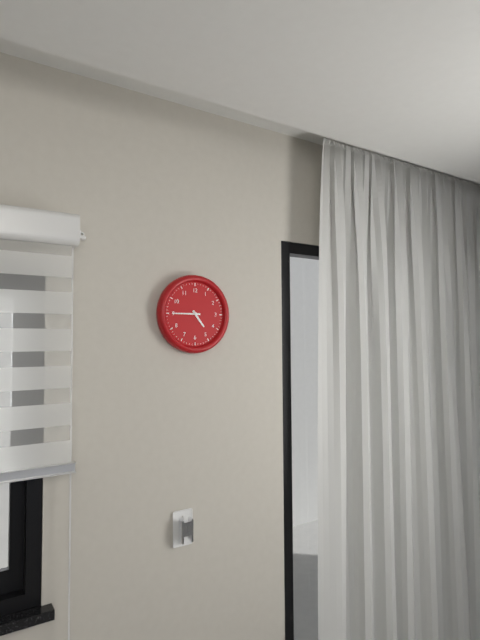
**4:45**
